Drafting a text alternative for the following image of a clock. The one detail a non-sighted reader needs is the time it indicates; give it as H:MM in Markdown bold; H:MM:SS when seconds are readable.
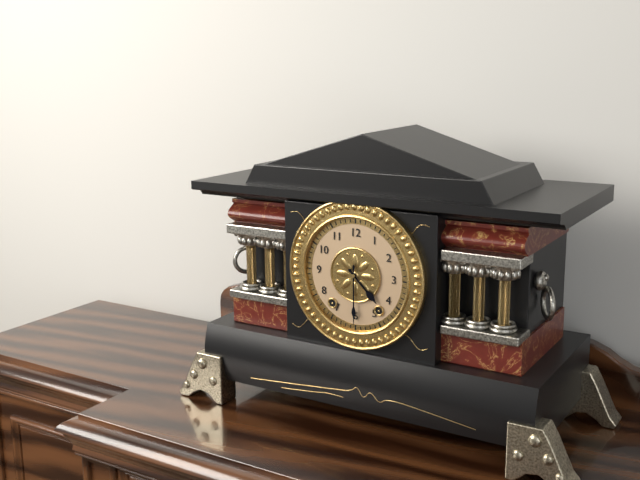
**4:30**
